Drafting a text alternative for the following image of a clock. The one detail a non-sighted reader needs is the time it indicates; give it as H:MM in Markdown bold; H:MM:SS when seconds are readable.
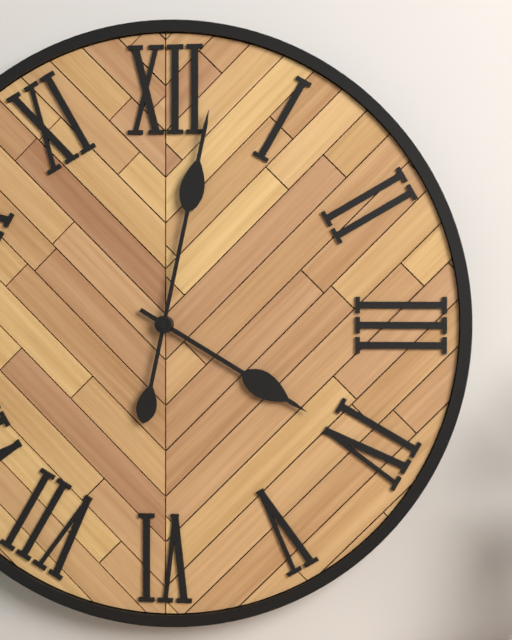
**4:02**
